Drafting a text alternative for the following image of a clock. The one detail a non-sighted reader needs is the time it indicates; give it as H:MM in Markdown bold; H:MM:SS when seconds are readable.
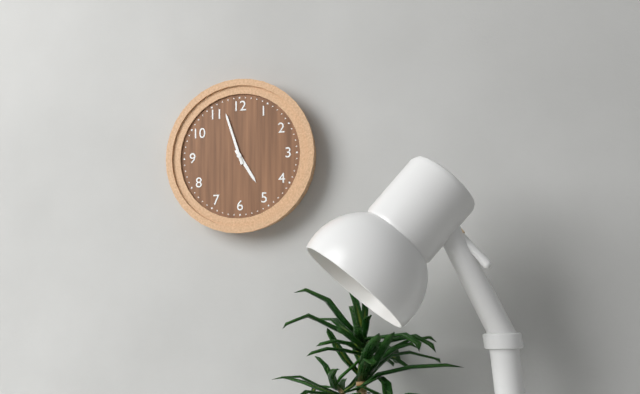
**4:57**
